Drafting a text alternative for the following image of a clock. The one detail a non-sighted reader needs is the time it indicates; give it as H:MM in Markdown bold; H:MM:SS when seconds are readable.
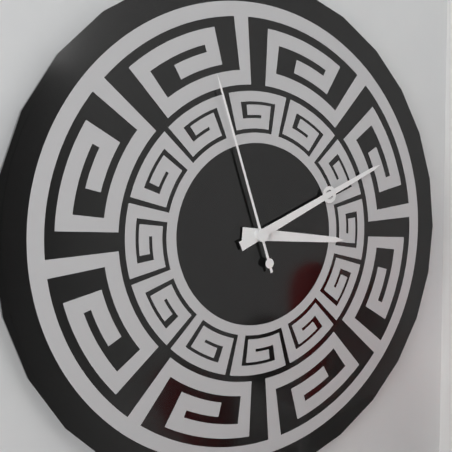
**3:11:57**
